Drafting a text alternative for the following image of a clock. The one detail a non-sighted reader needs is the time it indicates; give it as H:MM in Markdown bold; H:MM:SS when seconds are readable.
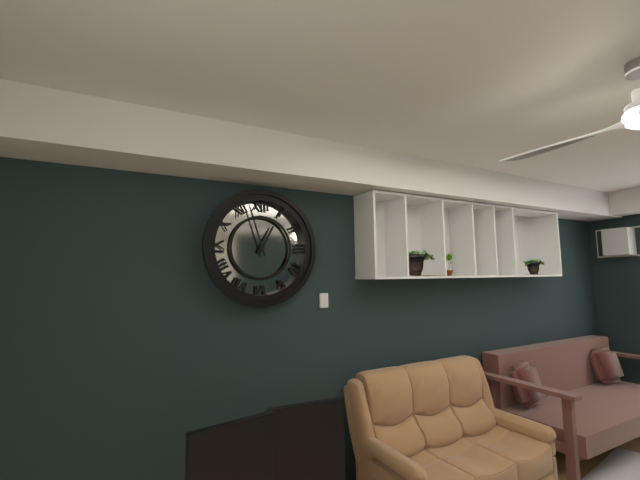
**12:57**
